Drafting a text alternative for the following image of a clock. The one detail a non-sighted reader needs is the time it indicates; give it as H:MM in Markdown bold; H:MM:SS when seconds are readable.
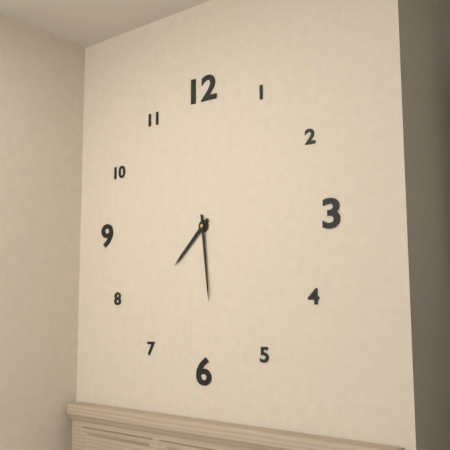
**7:29**
